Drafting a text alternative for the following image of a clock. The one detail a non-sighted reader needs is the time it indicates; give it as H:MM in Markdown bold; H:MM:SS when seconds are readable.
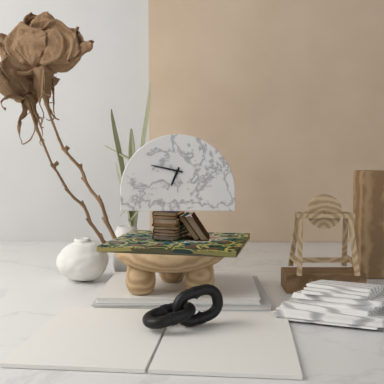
**6:47**
